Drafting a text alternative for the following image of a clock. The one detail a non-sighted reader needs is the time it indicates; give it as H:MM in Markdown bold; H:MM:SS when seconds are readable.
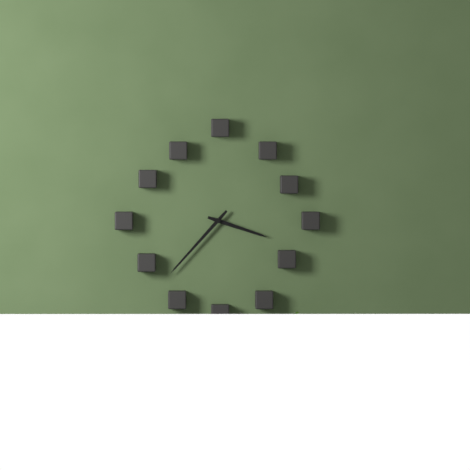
**3:37**
